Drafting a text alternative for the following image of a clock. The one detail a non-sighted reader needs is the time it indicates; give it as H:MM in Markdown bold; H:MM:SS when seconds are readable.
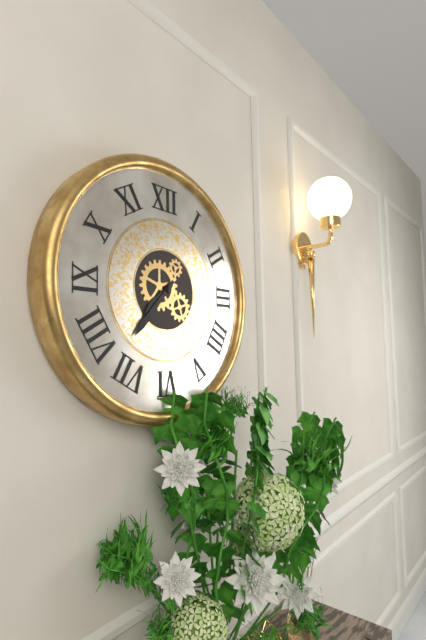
**7:37**
